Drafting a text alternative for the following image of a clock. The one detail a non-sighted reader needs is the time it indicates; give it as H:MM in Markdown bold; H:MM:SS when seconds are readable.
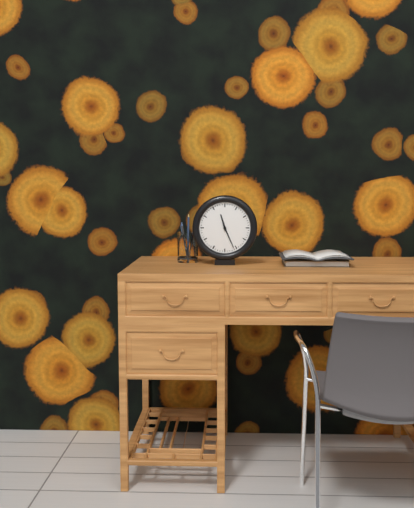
**11:26**
